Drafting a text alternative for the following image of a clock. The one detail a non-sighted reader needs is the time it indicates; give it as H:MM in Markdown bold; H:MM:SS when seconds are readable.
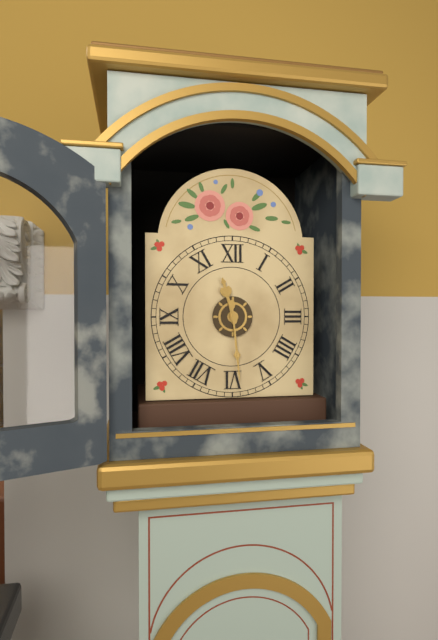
**11:29**
